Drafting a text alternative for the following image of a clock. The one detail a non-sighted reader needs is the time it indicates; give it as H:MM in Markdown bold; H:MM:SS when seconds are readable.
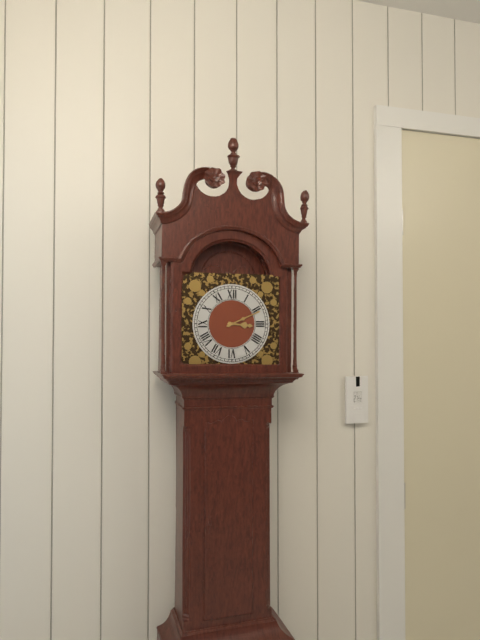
**3:11**
